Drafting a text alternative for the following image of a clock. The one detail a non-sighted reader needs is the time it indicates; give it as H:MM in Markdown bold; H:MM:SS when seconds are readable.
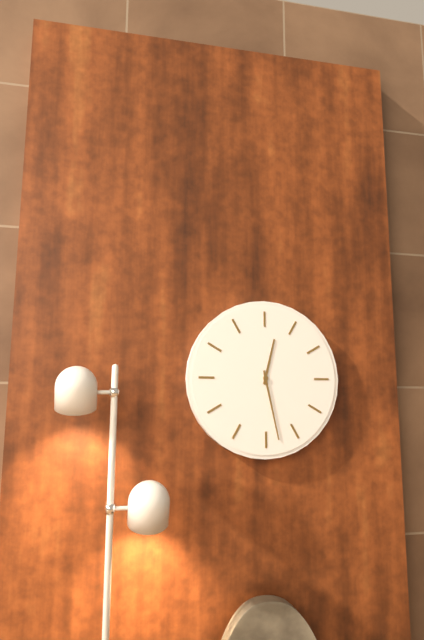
**12:28**
